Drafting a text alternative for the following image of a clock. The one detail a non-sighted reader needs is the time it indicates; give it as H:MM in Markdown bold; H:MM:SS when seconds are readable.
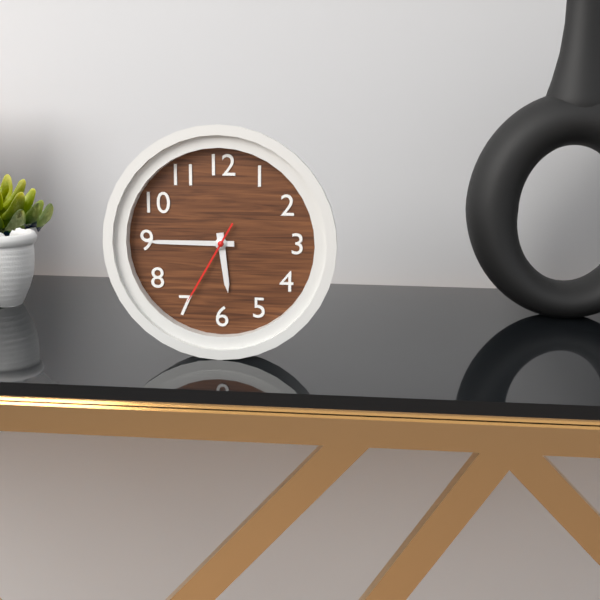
**5:45:35**
